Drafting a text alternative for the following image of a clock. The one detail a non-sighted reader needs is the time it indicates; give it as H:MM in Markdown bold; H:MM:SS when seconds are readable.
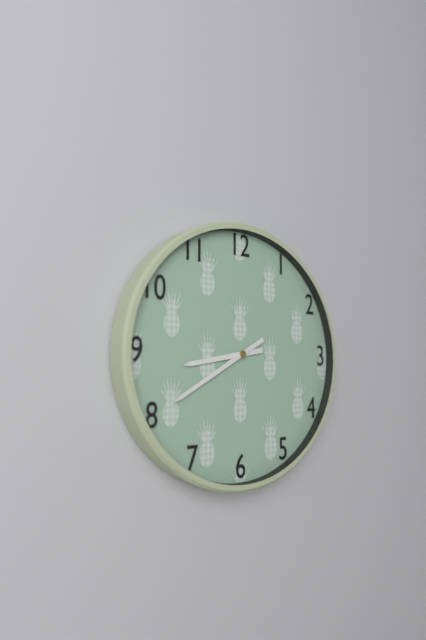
**8:40**
